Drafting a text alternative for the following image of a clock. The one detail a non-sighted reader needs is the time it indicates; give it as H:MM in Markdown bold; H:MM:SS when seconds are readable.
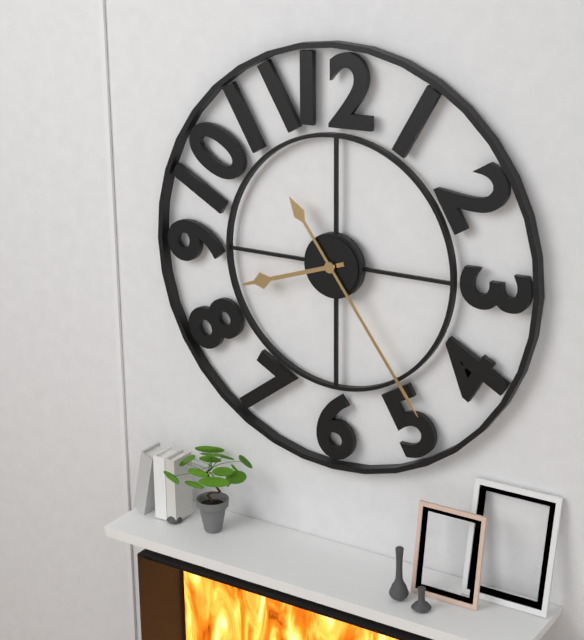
**8:24**
